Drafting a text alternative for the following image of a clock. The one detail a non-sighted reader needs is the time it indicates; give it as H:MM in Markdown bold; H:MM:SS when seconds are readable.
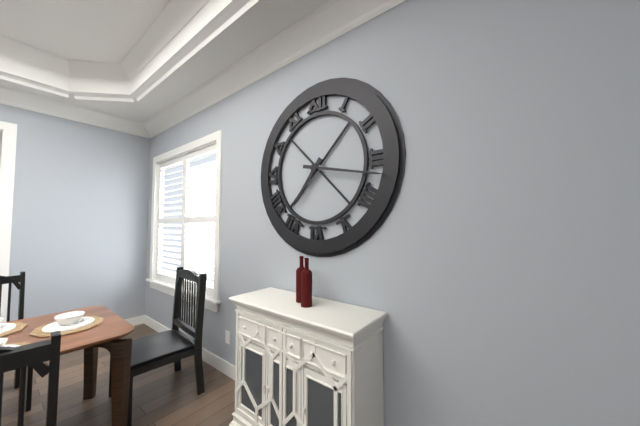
**7:17**
